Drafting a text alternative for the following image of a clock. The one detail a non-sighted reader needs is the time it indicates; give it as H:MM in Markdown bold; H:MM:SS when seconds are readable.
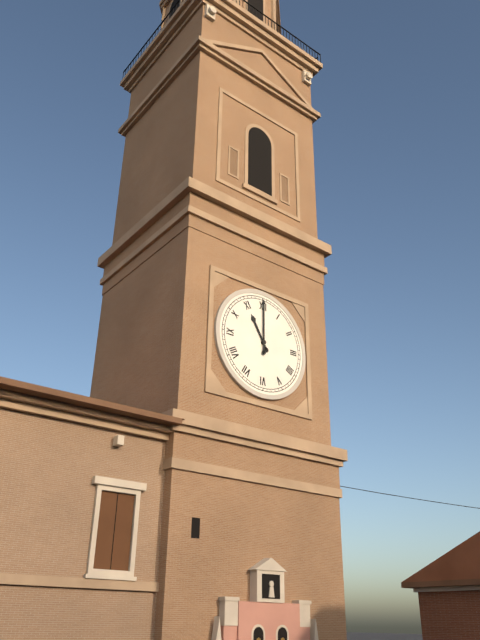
**11:00**
